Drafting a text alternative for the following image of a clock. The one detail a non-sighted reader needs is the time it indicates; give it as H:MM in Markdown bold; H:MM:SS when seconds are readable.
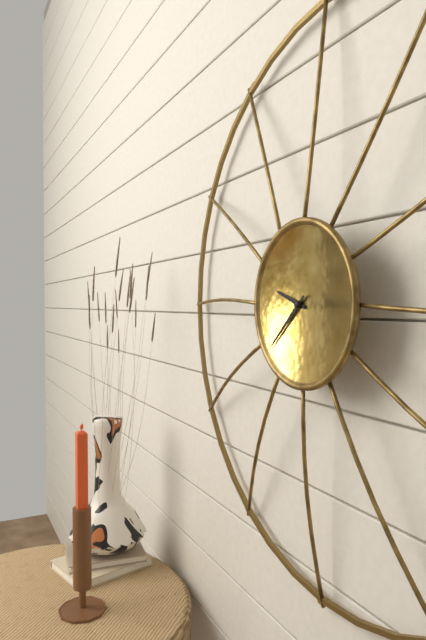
**9:38**
